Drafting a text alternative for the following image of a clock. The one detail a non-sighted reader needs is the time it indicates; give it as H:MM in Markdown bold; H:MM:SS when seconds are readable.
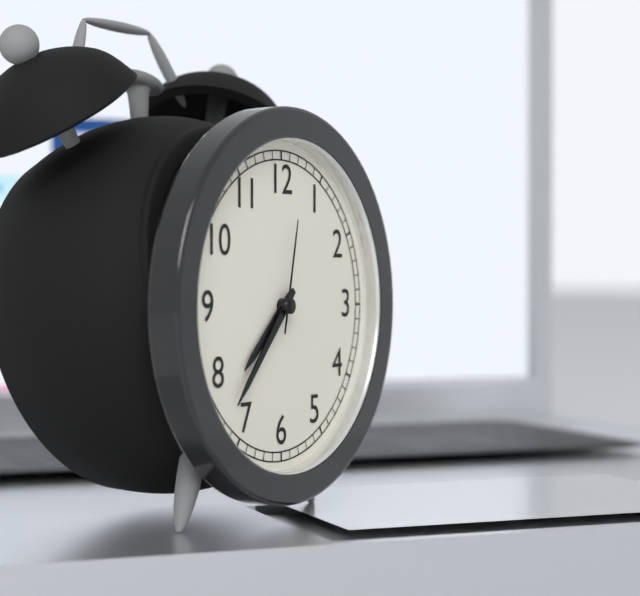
**7:37:02**
